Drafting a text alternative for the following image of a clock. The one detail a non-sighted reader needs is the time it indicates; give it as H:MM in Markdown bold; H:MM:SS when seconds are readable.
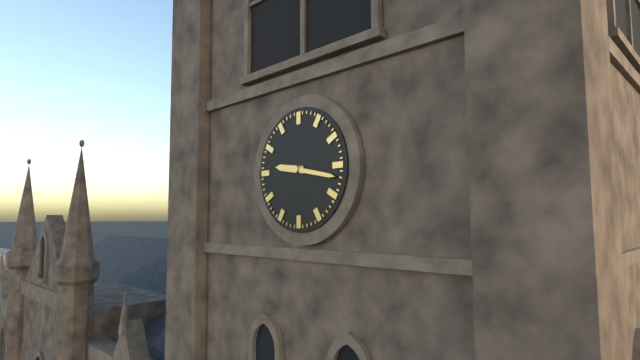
**9:17**
